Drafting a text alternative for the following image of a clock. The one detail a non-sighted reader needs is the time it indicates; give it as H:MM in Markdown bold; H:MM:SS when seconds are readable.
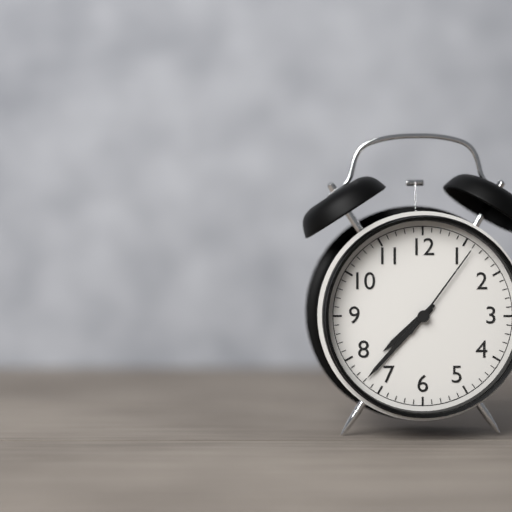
**7:37:06**
